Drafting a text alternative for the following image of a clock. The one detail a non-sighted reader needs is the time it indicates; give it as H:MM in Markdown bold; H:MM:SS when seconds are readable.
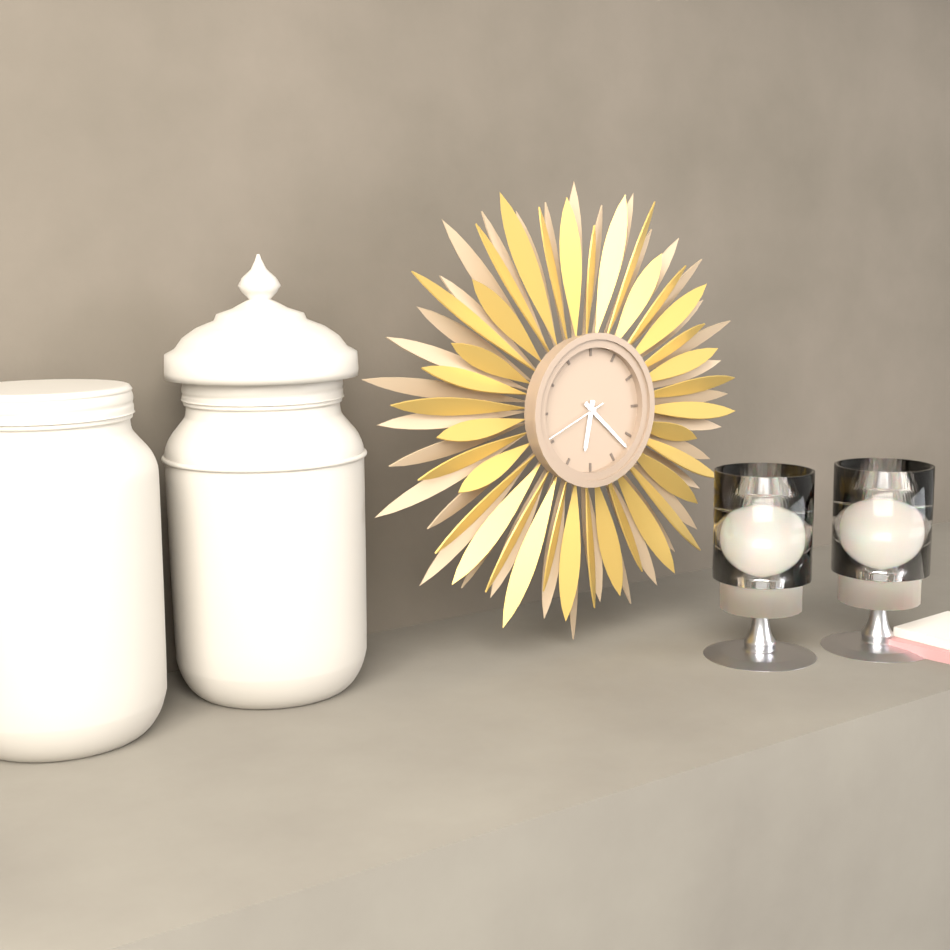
**6:22:41**
